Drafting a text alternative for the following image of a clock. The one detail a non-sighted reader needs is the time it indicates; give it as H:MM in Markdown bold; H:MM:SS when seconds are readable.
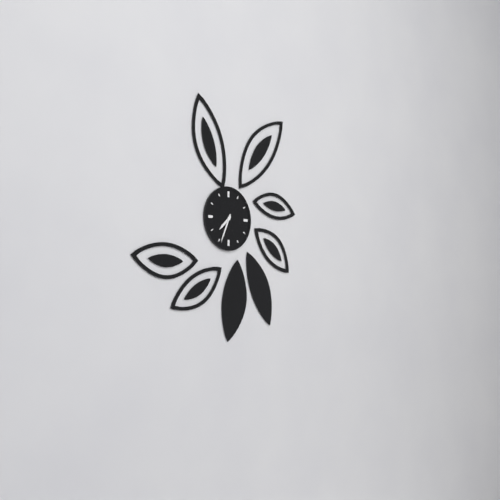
**7:34**
